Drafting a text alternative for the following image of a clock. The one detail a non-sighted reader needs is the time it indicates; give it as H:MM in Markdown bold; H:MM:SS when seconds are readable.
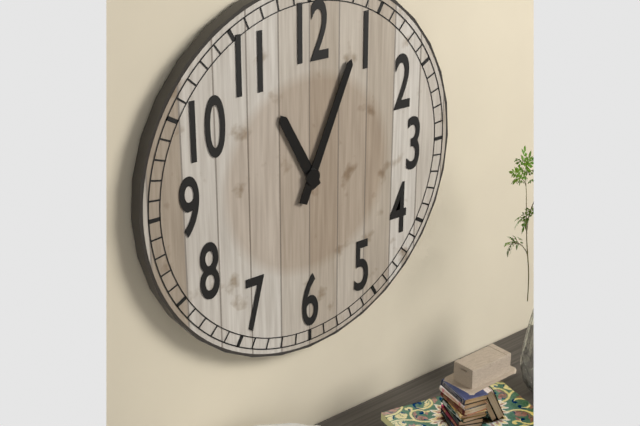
**11:04**
